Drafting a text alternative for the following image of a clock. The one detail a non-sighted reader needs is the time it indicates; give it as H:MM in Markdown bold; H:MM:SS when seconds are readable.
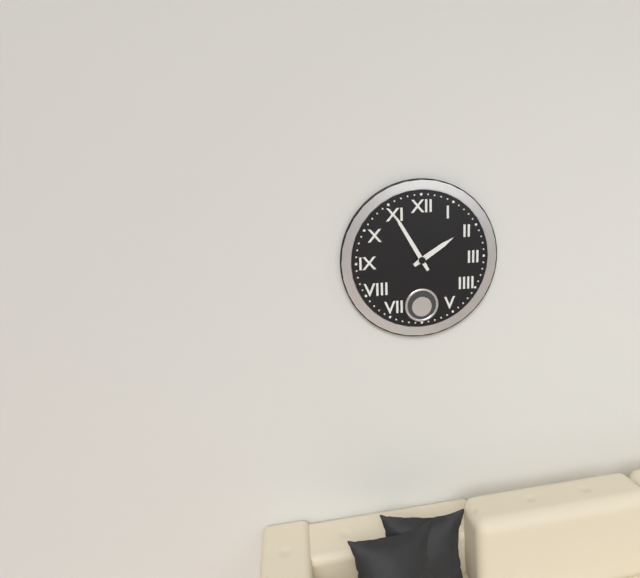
**1:55**
